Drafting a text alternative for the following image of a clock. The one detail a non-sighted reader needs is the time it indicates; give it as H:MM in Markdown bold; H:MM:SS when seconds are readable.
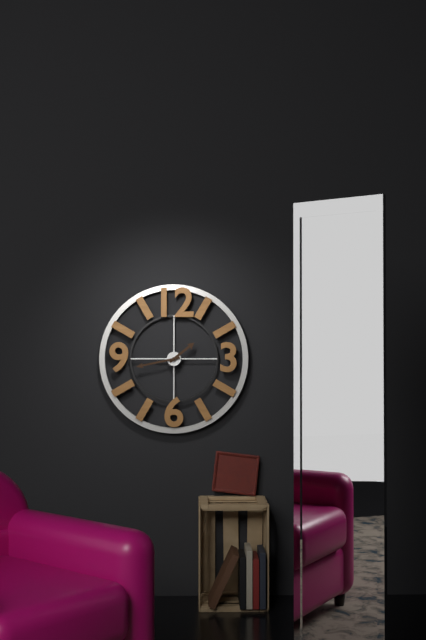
**1:43**
